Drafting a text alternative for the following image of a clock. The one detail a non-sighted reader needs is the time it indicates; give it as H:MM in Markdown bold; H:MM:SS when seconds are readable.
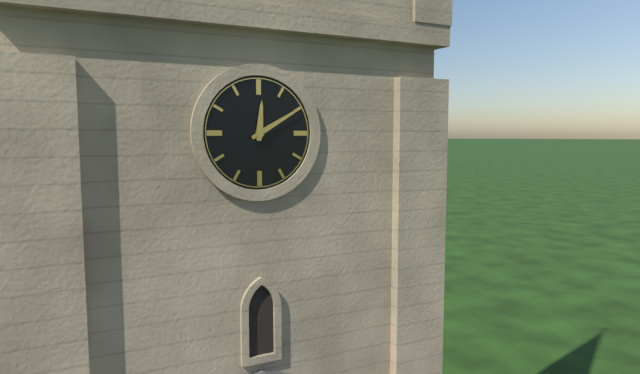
**12:10**
